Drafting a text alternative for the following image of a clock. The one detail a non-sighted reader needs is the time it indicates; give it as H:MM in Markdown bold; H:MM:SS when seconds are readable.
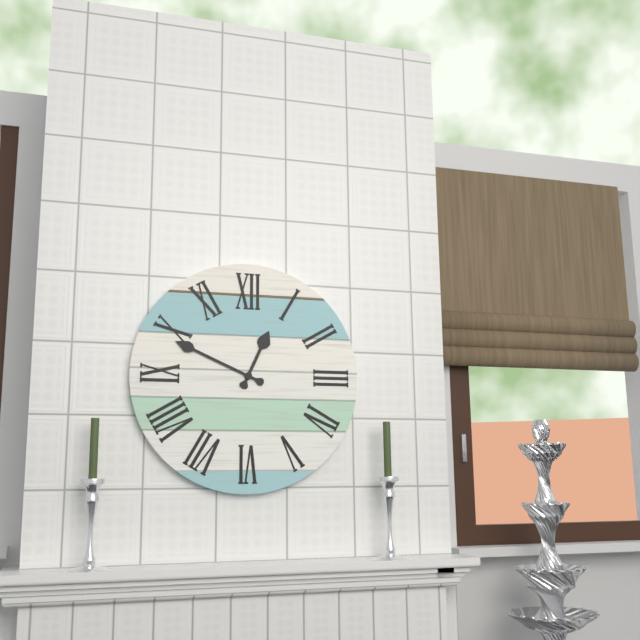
**12:49**
